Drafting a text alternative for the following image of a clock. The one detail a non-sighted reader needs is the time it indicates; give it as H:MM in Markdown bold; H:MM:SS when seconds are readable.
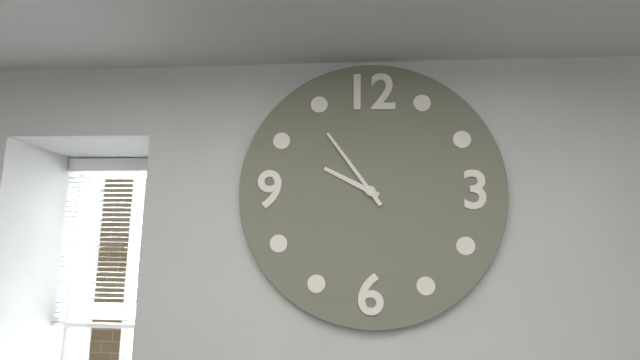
**9:54**
